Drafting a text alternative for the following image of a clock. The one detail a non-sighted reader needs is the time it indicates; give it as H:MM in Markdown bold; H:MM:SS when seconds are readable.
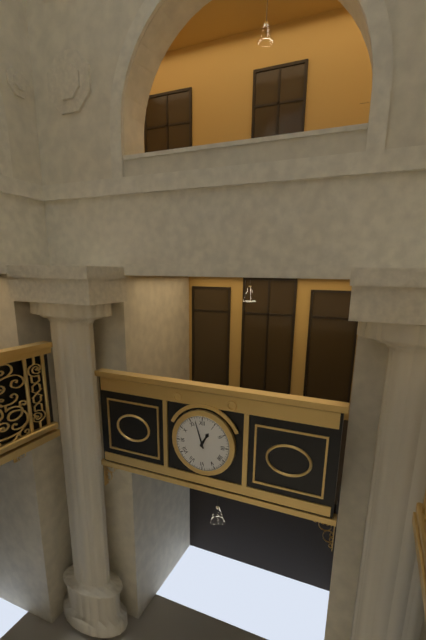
**12:57**
